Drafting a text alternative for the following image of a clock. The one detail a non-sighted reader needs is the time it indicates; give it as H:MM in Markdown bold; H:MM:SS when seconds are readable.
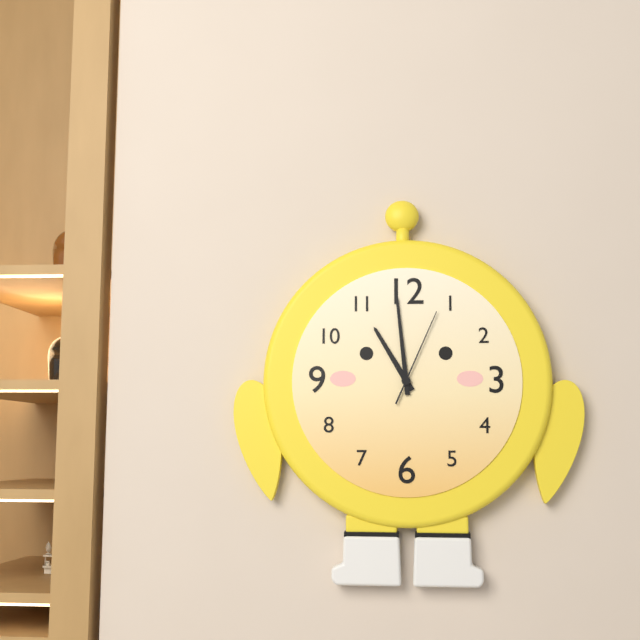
**10:59:04**
